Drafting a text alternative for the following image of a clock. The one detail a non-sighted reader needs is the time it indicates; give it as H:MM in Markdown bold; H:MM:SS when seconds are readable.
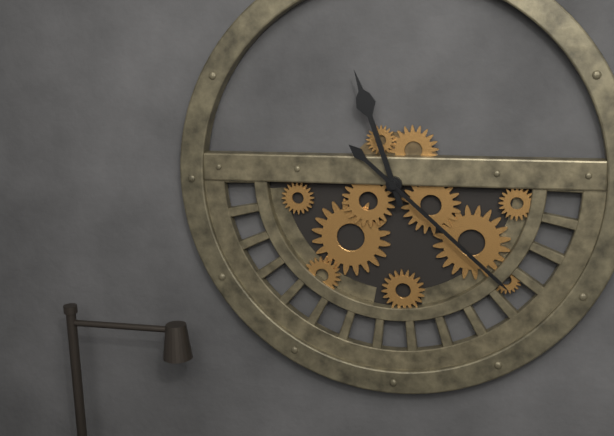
**11:22**
